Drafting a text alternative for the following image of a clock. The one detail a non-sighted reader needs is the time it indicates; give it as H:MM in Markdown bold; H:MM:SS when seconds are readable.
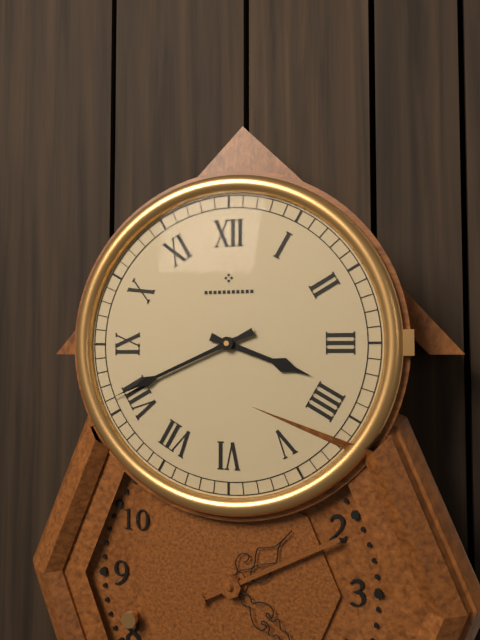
**3:41**
